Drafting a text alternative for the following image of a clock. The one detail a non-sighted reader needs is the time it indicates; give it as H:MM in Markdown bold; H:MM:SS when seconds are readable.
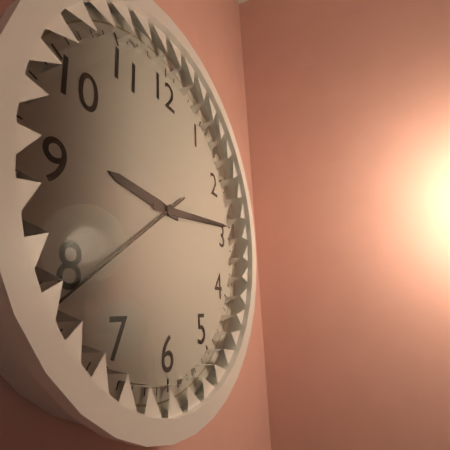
**9:14:39**
